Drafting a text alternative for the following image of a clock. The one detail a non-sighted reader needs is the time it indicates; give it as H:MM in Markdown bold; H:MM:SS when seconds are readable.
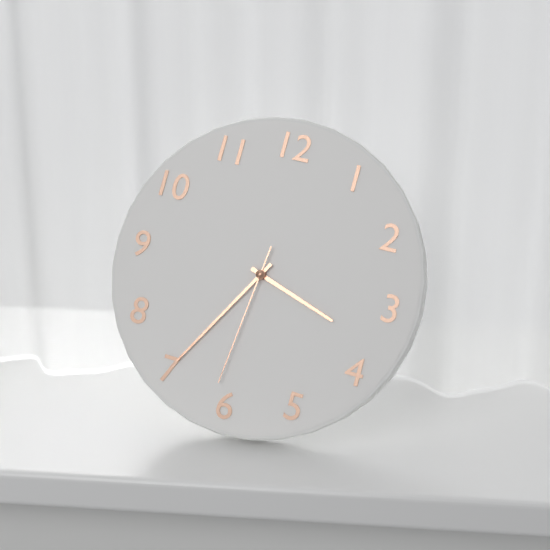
**3:35:31**
